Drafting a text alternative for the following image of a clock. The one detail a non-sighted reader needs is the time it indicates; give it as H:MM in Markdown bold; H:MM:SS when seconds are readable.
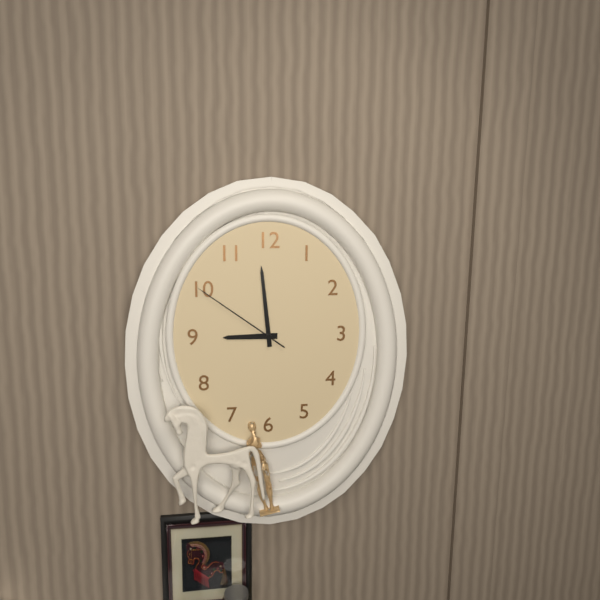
**8:59:51**
